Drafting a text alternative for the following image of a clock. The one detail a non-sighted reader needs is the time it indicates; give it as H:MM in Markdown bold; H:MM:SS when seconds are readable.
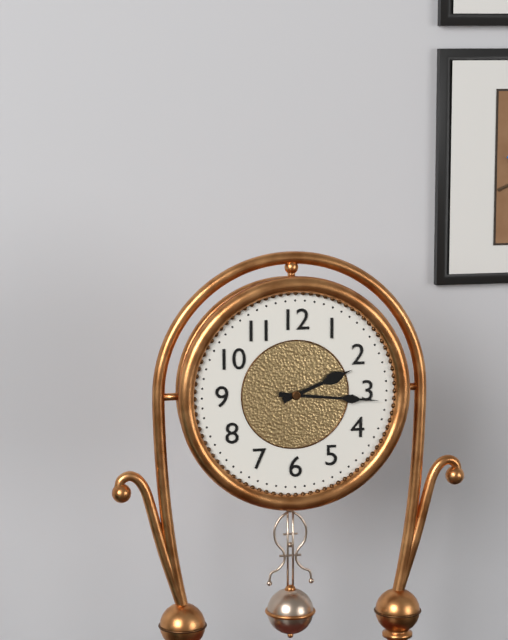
**2:16**
